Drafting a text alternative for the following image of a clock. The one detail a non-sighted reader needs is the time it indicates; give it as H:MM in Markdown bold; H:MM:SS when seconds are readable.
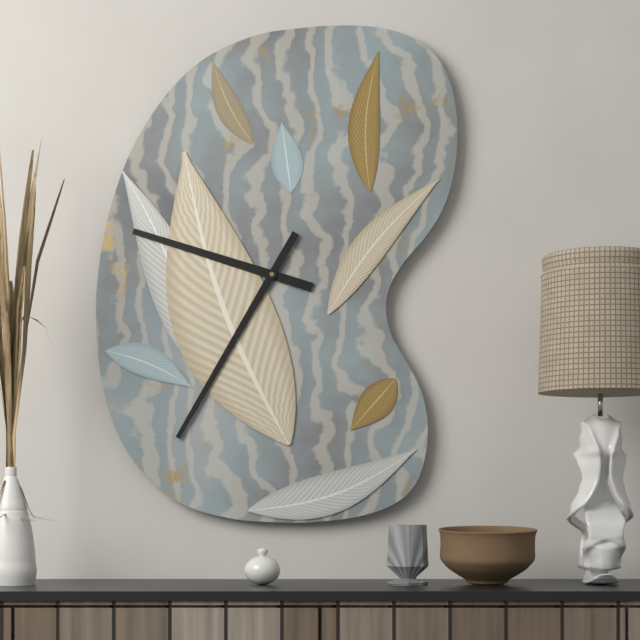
**9:35**
